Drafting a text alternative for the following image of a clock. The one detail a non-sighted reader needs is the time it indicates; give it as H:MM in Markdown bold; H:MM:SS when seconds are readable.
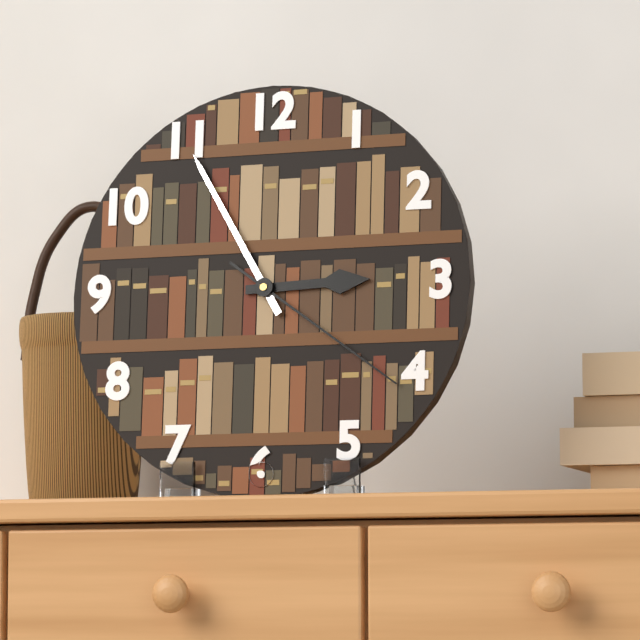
**2:55:21**
